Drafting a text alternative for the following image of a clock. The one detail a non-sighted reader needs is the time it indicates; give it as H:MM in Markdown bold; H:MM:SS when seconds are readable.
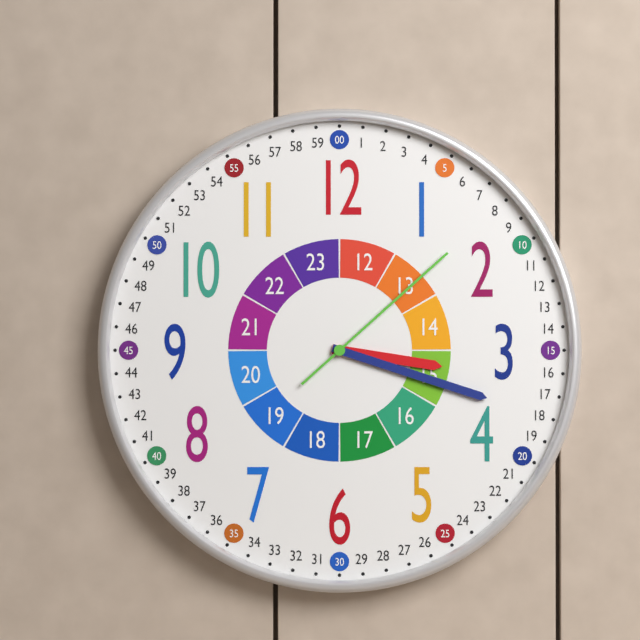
**3:18:08**
